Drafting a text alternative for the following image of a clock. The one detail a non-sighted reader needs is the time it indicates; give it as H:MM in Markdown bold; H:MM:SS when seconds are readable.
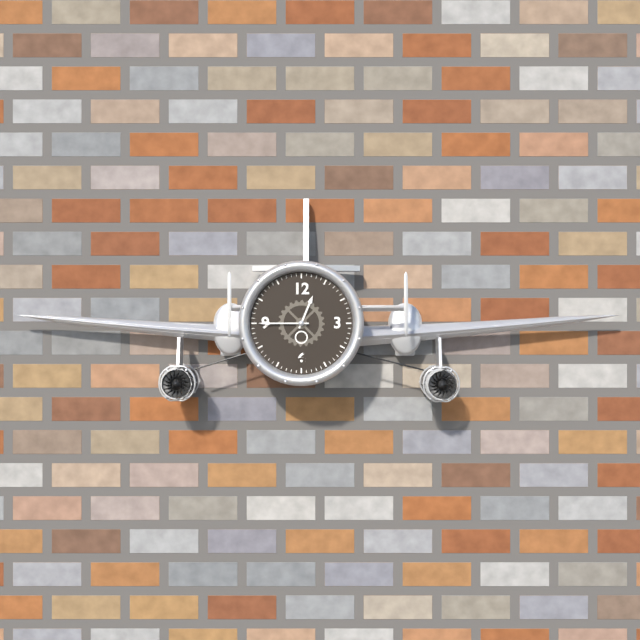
**12:45**
